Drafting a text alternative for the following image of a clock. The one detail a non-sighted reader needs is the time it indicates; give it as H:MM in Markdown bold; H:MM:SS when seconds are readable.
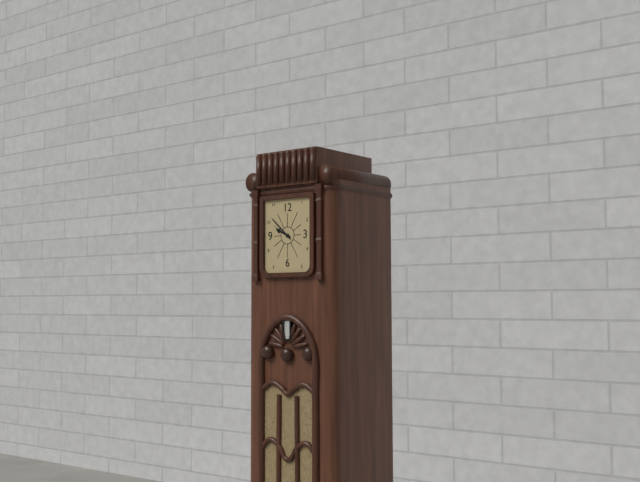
**9:52**
